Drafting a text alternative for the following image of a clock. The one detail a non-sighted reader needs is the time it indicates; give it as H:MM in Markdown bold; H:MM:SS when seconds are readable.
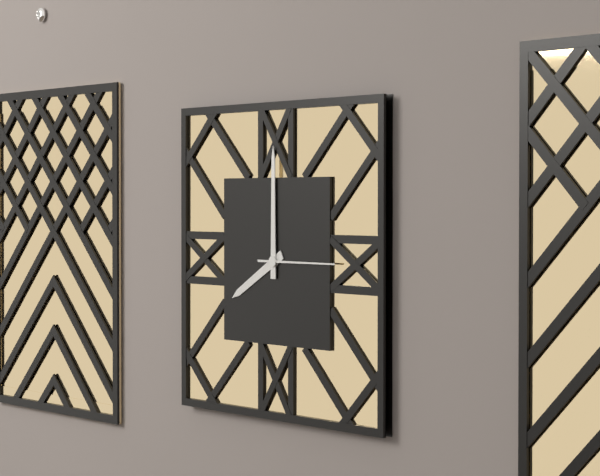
**8:00:15**
